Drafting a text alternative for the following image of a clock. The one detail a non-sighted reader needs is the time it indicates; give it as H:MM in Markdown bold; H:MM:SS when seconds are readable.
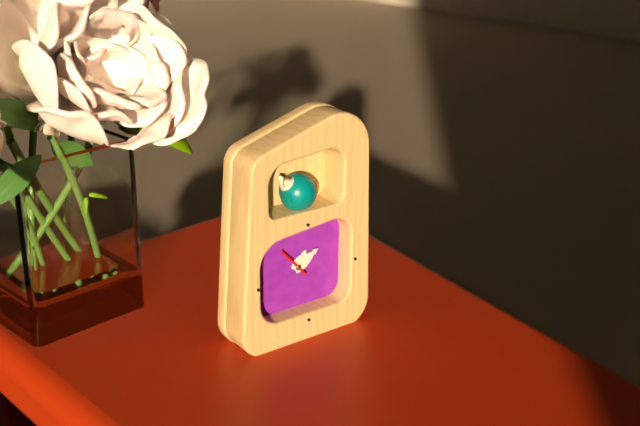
**1:10**
